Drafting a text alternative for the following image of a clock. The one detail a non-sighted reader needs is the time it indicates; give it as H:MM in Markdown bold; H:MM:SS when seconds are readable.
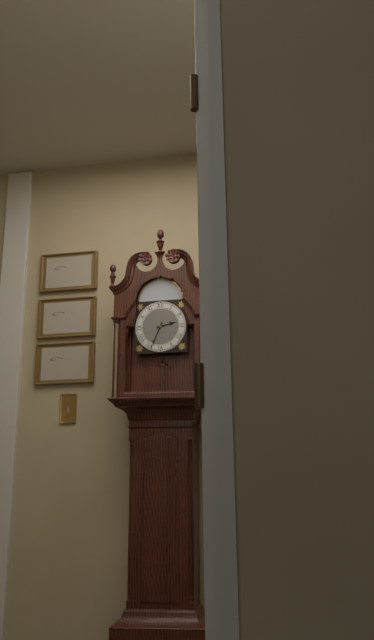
**2:34**
